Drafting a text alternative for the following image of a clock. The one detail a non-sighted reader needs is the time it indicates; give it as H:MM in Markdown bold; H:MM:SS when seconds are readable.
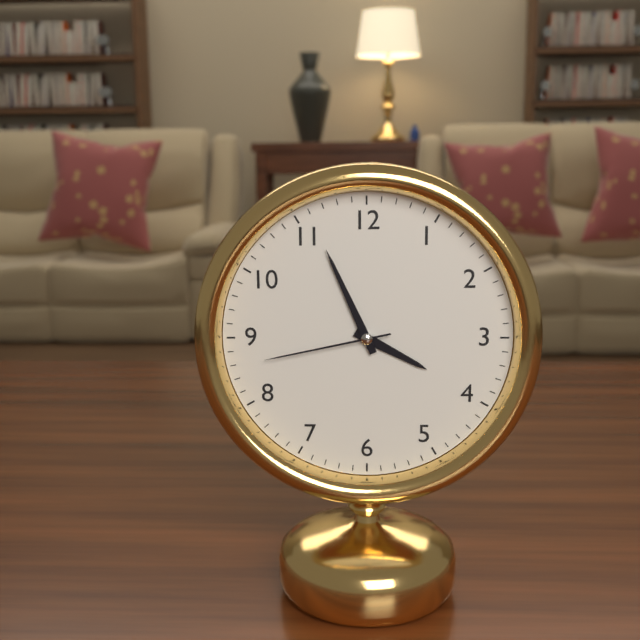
**3:56:43**
